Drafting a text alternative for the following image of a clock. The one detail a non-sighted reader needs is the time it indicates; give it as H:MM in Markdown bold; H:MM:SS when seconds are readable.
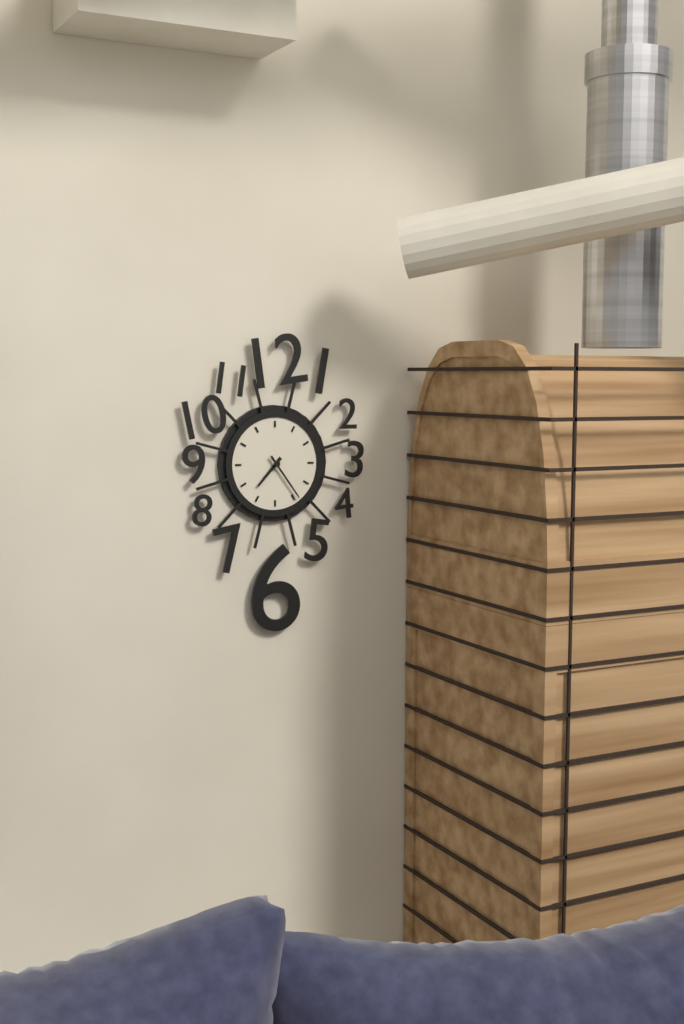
**7:24**
